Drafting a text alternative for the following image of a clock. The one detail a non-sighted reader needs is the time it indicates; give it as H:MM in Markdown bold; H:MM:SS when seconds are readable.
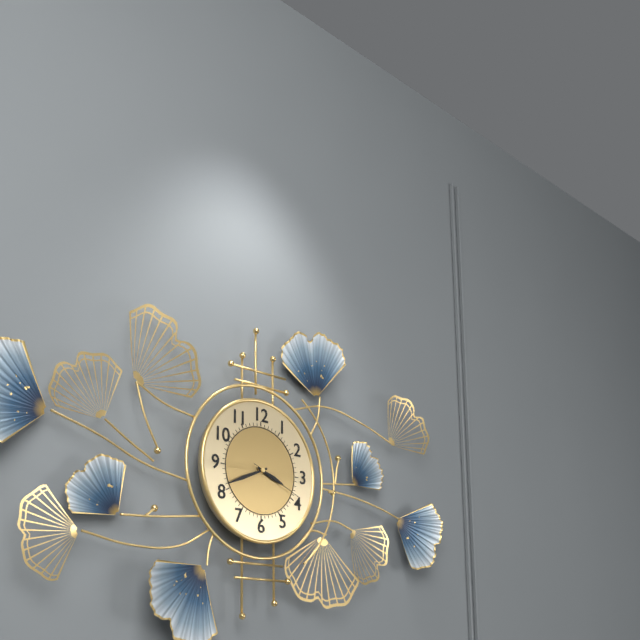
**3:41:19**
